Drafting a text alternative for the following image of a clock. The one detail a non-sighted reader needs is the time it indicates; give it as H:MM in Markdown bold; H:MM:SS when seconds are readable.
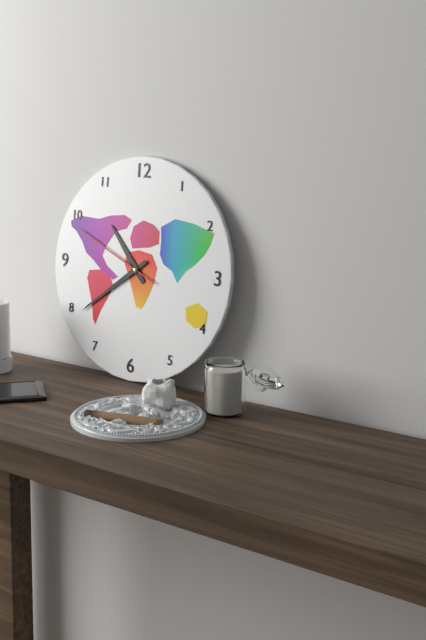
**10:39:49**
